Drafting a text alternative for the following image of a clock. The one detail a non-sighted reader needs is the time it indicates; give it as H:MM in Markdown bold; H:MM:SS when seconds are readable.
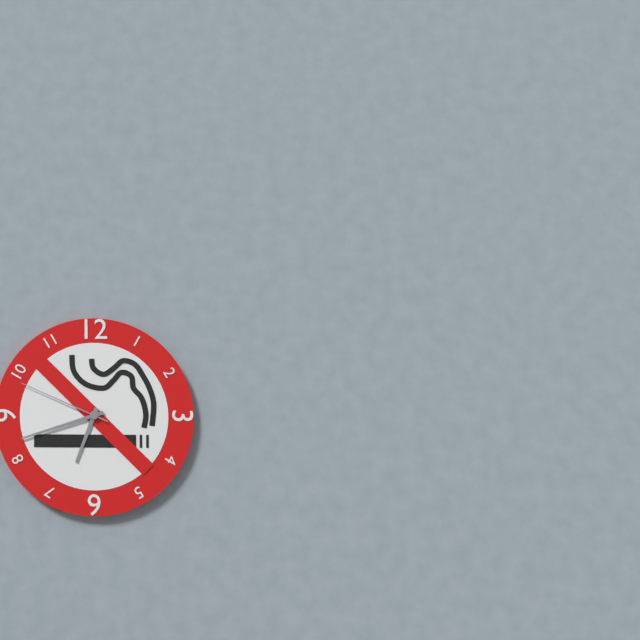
**6:42:49**
